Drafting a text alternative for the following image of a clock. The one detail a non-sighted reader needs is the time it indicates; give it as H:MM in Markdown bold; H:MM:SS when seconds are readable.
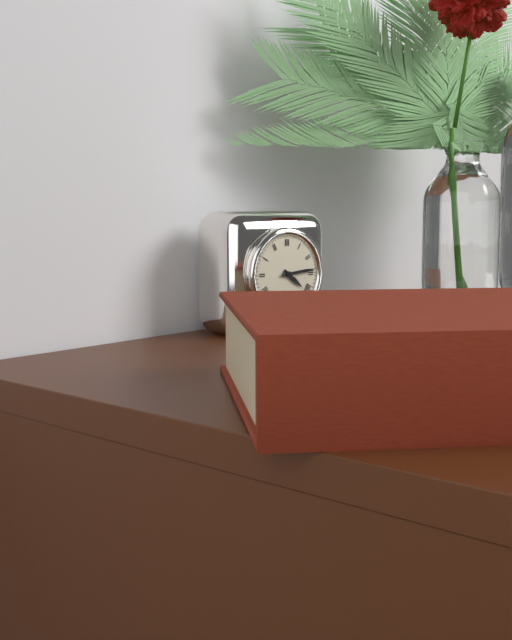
**4:14**
